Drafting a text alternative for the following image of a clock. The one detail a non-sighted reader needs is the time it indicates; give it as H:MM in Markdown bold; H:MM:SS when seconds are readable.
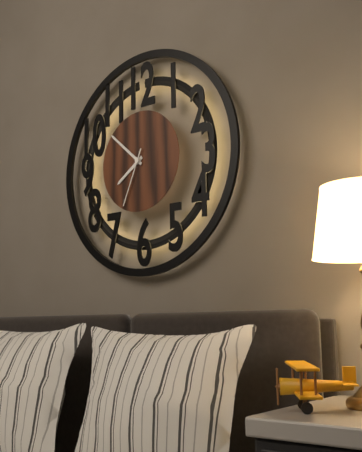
**7:52:34**
